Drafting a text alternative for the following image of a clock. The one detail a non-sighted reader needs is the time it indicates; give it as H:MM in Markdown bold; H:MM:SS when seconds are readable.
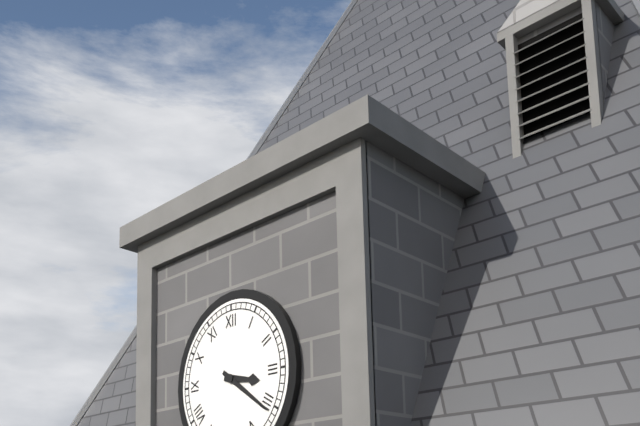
**3:21**
